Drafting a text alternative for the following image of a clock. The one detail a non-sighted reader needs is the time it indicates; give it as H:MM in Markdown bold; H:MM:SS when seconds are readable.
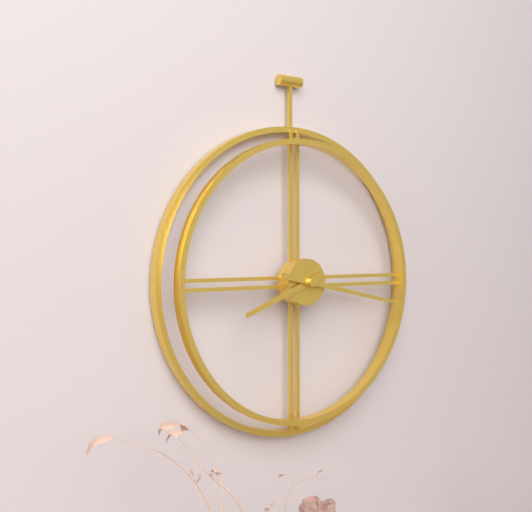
**8:17**
